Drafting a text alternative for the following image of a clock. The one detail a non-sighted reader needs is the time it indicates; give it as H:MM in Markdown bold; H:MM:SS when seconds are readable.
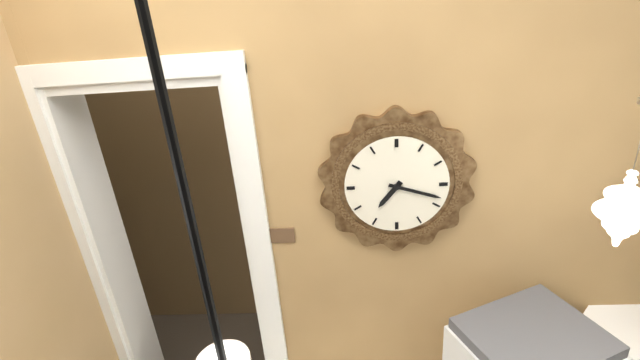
**7:18**
